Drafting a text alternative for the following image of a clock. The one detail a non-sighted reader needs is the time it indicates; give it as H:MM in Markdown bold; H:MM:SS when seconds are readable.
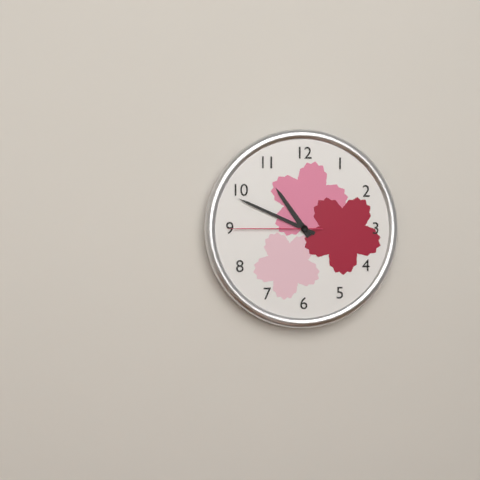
**10:49:45**
